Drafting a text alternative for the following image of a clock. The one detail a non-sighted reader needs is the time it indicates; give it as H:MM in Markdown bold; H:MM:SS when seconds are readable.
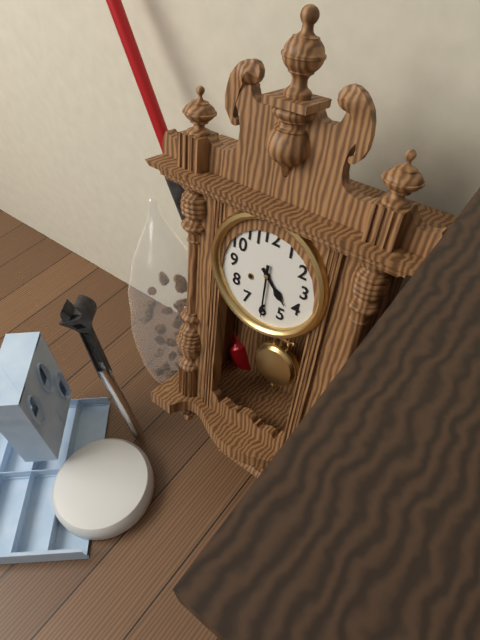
**4:30**
